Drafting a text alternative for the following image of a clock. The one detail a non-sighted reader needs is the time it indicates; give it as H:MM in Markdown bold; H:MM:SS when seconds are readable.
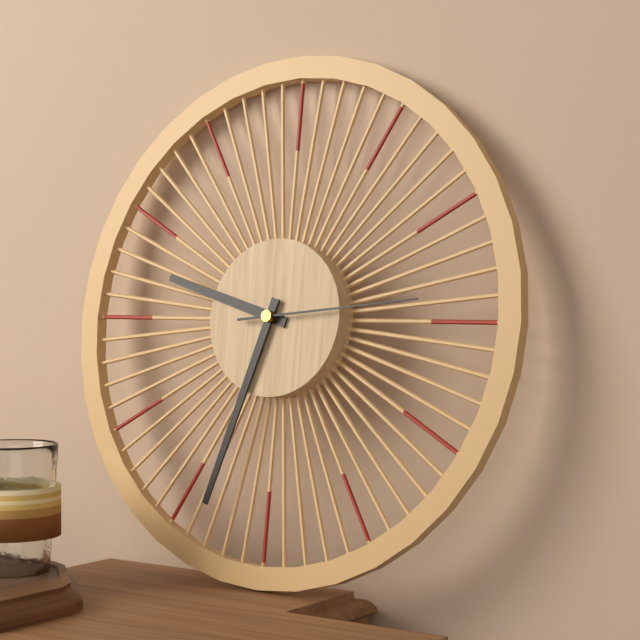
**9:33:14**
